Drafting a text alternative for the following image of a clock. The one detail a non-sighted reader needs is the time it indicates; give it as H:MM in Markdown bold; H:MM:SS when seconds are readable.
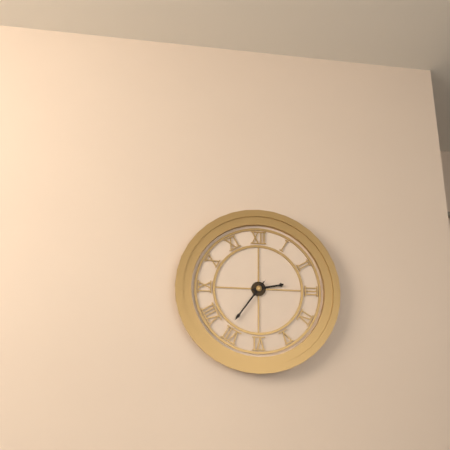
**2:36**
